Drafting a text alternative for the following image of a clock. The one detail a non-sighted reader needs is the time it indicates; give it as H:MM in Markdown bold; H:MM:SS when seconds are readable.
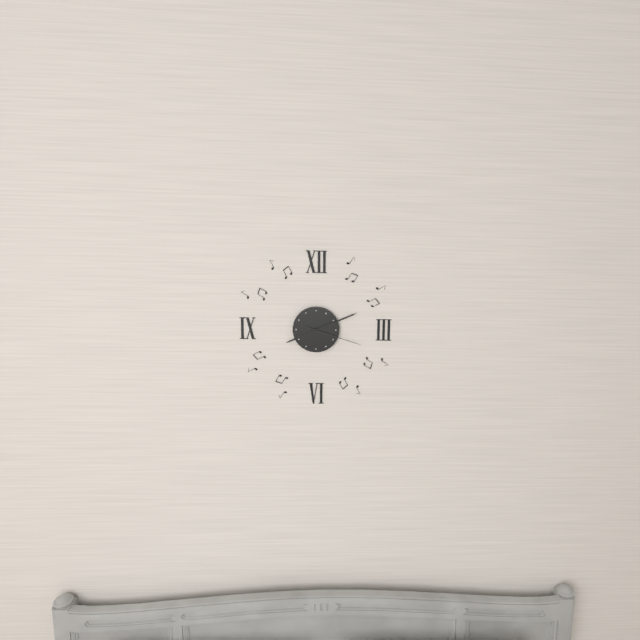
**8:11:18**
